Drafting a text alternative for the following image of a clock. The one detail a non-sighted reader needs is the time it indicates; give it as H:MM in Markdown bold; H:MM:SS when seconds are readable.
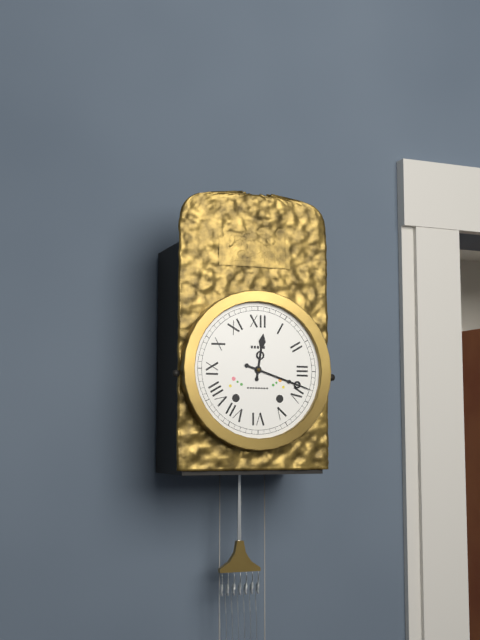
**12:18**
